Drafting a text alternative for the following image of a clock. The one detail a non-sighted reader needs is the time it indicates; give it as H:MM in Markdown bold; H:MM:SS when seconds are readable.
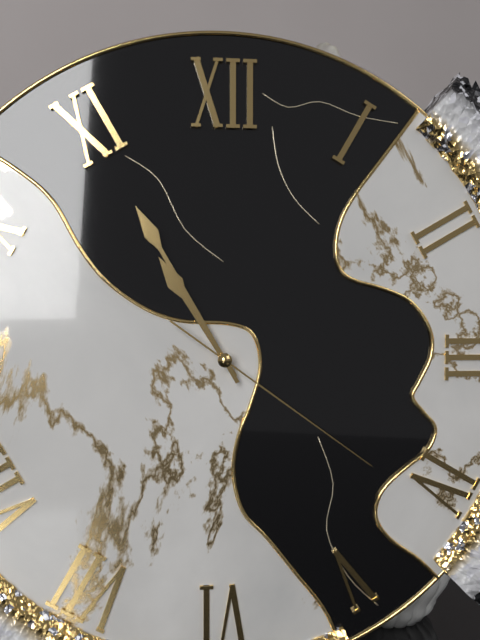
**10:55:21**
